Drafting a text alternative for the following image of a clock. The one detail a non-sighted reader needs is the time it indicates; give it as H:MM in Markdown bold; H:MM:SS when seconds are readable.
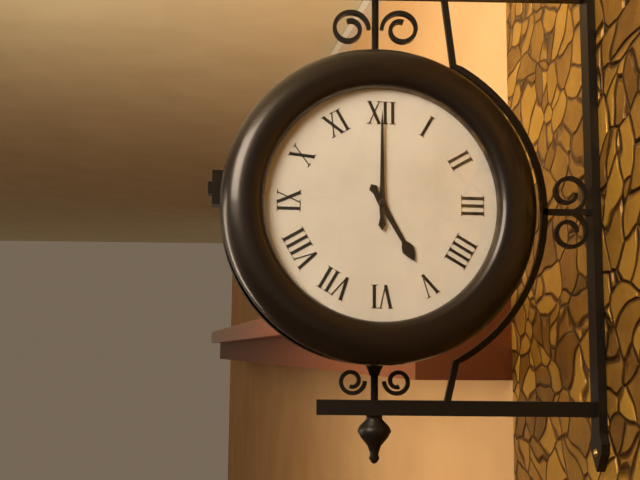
**5:00**
